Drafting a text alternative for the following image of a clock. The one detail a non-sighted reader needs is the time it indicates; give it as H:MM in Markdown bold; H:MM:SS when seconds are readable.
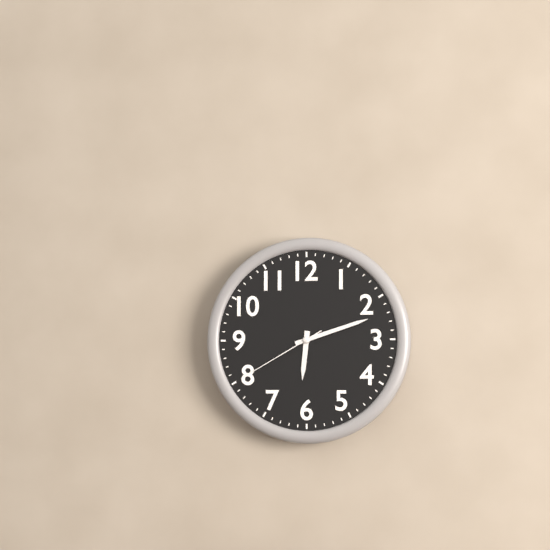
**6:12:40**
